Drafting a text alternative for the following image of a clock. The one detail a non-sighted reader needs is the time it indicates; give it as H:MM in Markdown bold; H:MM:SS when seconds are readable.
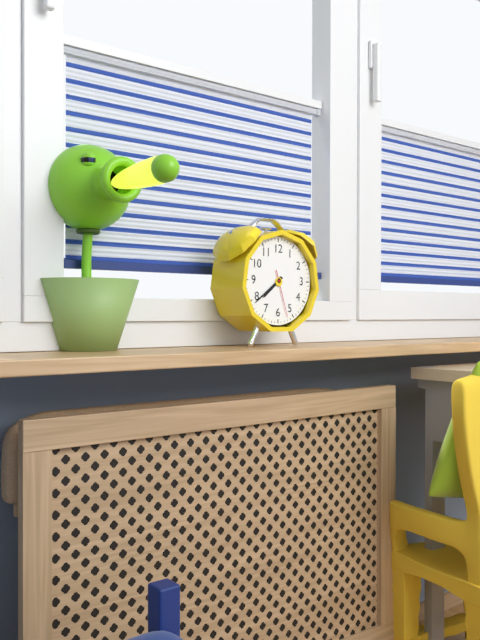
**7:39**
